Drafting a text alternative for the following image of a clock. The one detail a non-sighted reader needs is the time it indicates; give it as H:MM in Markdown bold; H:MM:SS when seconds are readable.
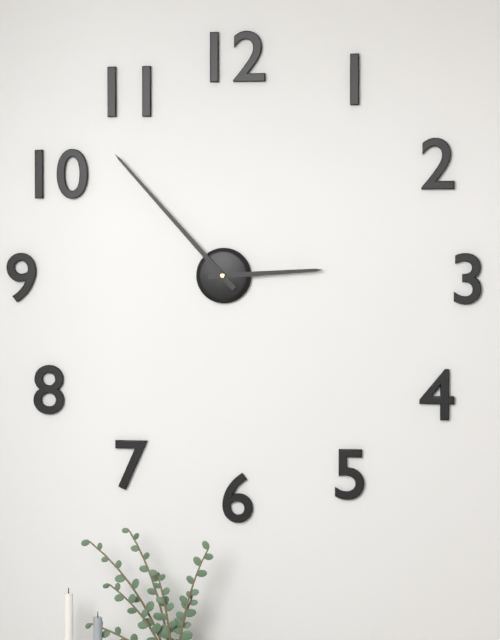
**2:53**
